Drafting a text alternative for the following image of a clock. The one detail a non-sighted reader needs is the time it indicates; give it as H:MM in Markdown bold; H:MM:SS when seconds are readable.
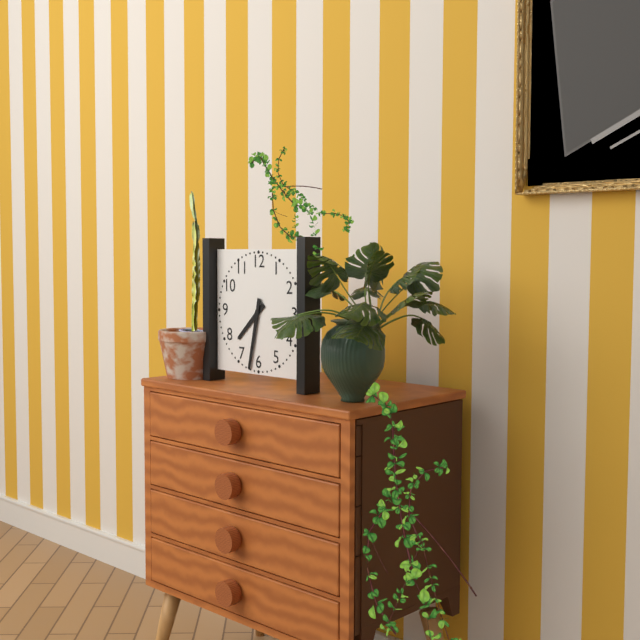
**7:32**
